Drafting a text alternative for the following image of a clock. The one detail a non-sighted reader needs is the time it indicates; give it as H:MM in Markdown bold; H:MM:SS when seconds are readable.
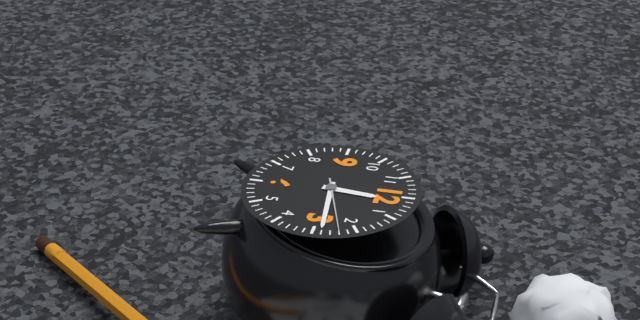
**12:14:12**
